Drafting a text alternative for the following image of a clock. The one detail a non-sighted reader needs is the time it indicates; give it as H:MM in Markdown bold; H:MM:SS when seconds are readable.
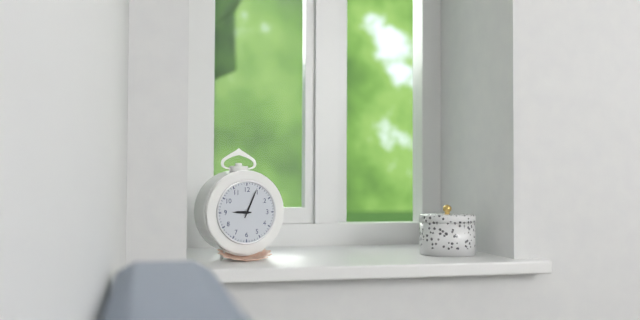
**9:04**
